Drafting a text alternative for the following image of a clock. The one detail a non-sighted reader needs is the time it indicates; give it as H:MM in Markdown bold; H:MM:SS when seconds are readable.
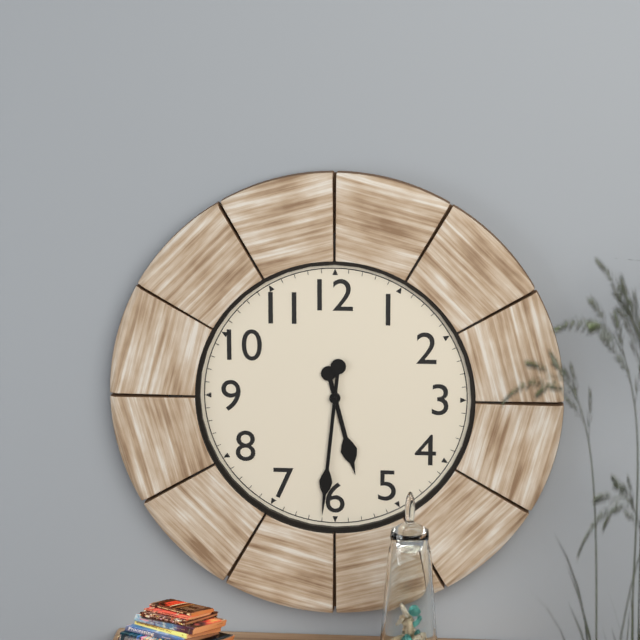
**5:31**
